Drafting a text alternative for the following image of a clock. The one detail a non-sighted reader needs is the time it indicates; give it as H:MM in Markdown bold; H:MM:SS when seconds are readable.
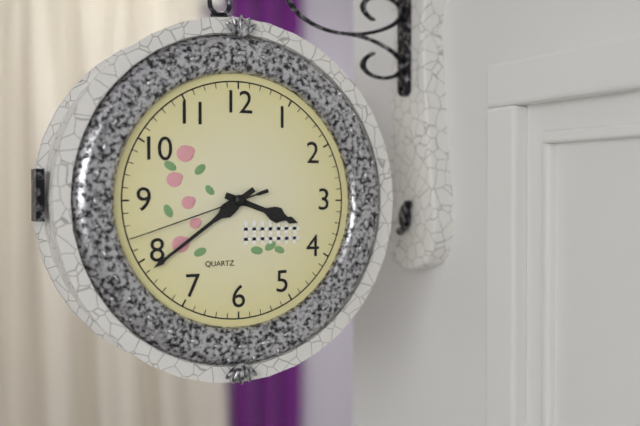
**3:39:42**
